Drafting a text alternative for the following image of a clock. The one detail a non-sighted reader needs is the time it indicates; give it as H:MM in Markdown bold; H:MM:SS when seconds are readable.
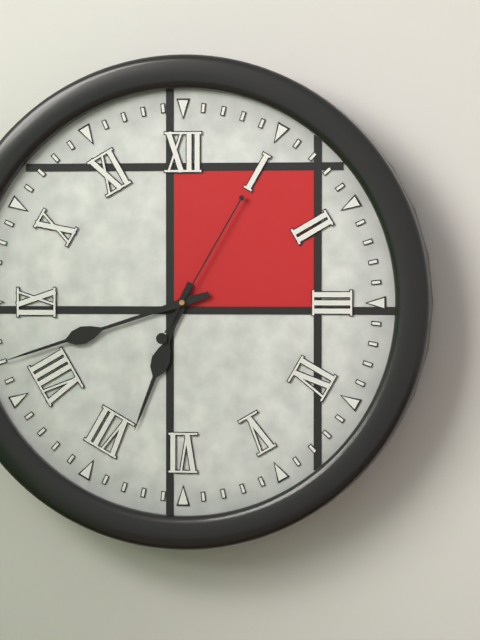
**6:42:05**
